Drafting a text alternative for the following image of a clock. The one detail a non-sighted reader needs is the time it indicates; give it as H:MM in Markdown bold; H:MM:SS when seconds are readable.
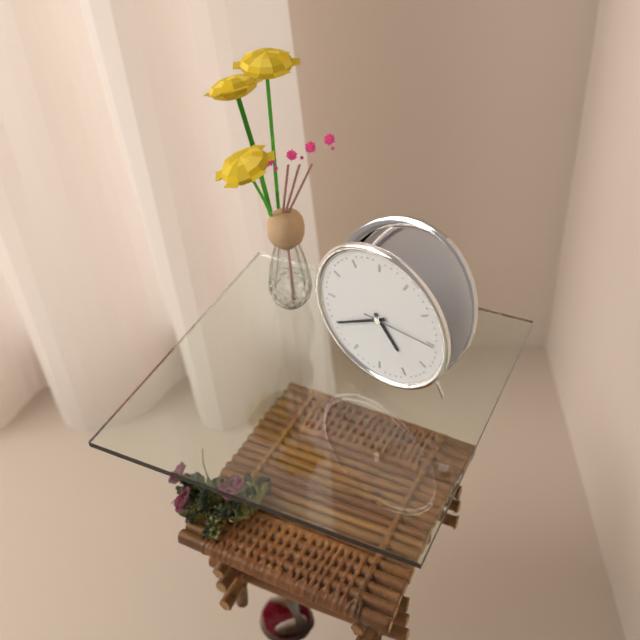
**4:40:15**
